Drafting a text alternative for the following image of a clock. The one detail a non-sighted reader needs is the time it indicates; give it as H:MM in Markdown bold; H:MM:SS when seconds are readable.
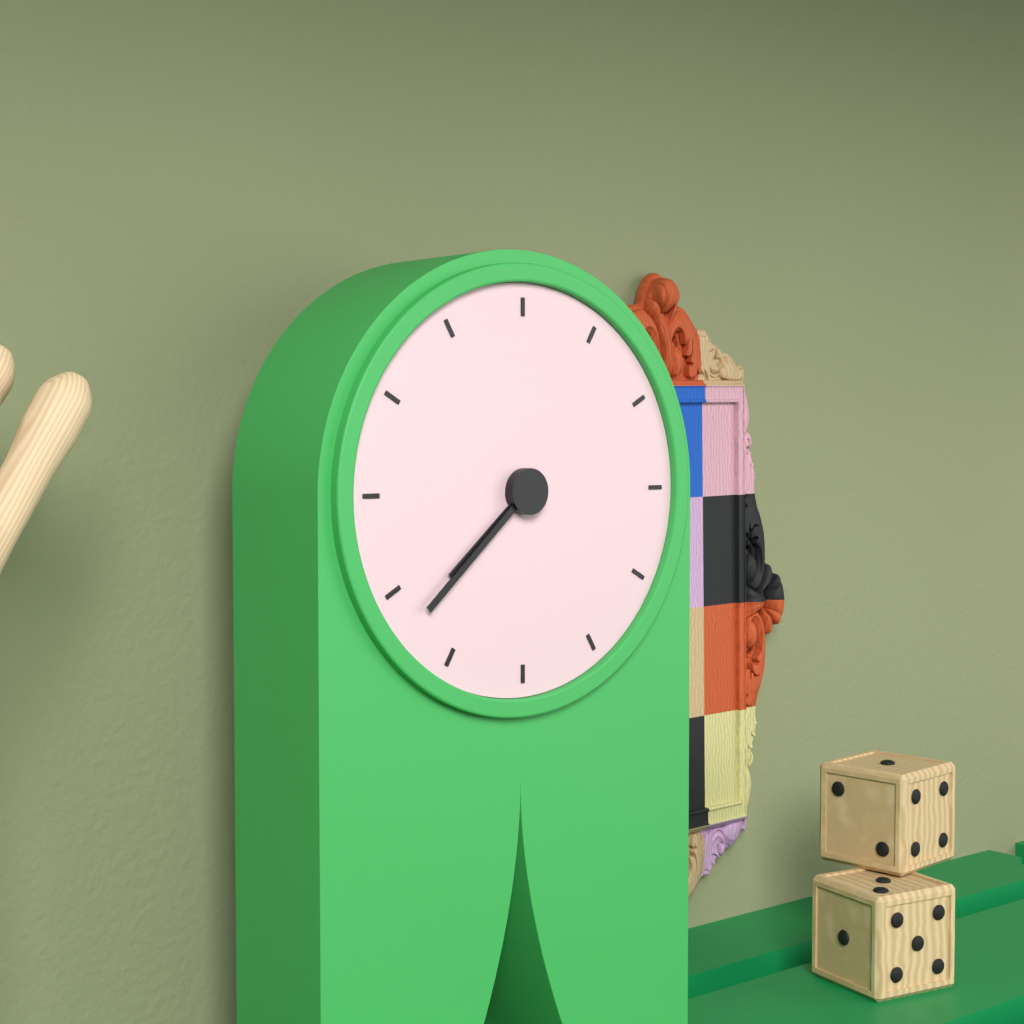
**7:38**
